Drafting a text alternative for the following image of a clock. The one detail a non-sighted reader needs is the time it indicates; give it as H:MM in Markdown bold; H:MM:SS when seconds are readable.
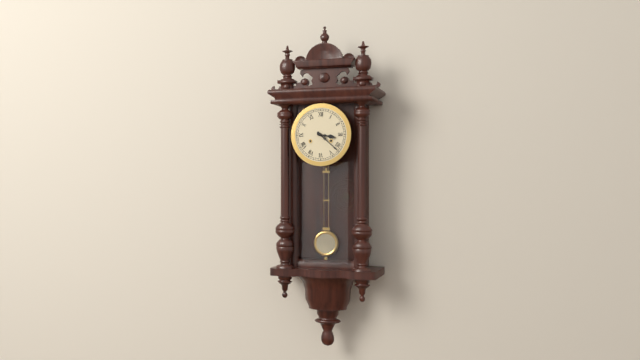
**3:22**
